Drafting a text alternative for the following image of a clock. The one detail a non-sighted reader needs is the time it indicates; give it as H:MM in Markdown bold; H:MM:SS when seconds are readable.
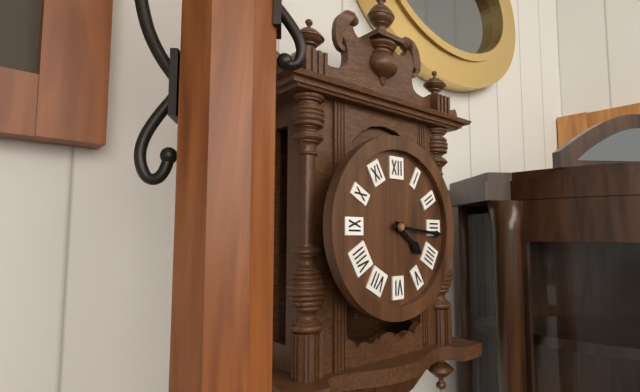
**4:16**
